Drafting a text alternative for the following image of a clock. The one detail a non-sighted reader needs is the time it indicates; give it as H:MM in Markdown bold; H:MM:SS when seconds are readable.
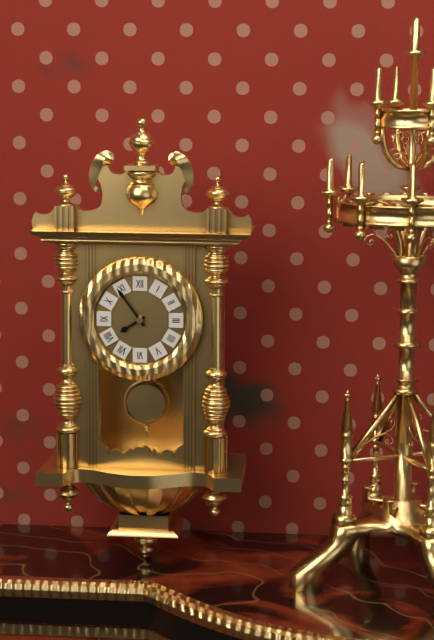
**7:54**
